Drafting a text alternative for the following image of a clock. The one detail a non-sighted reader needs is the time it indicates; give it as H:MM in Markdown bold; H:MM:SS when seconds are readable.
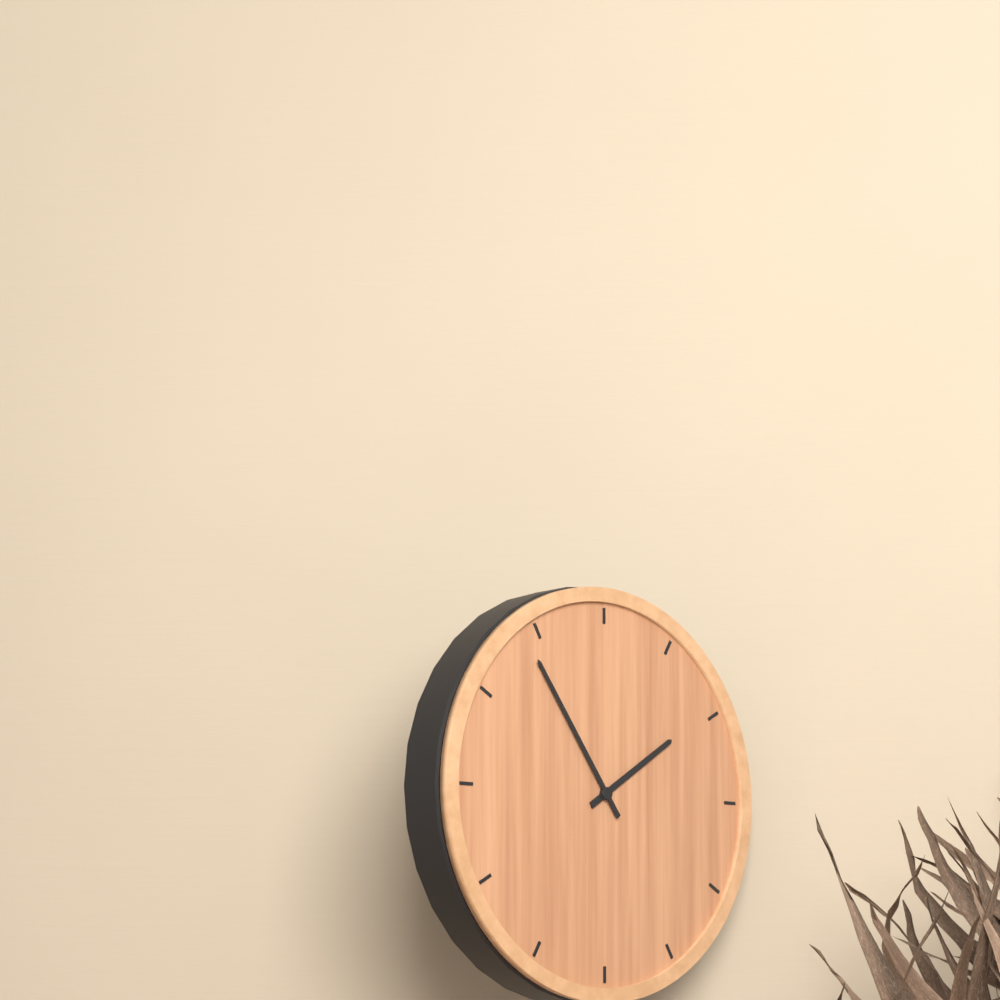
**1:54**
